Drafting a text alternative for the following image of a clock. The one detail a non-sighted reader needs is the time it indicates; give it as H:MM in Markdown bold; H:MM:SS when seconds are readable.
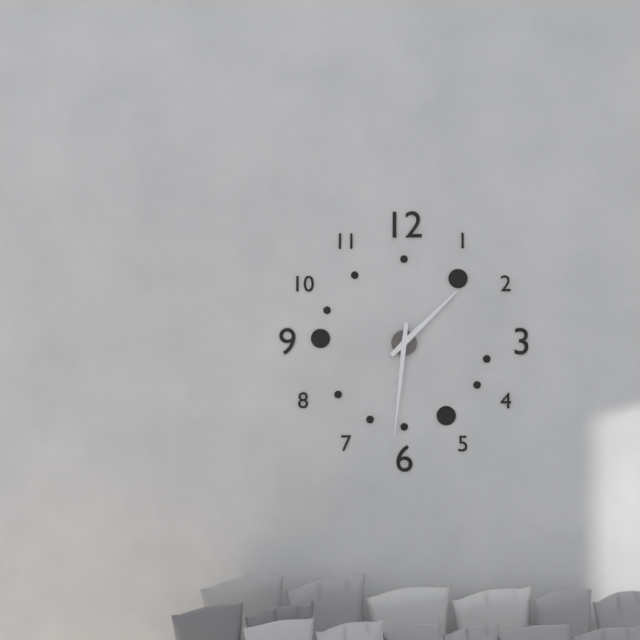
**1:31**
